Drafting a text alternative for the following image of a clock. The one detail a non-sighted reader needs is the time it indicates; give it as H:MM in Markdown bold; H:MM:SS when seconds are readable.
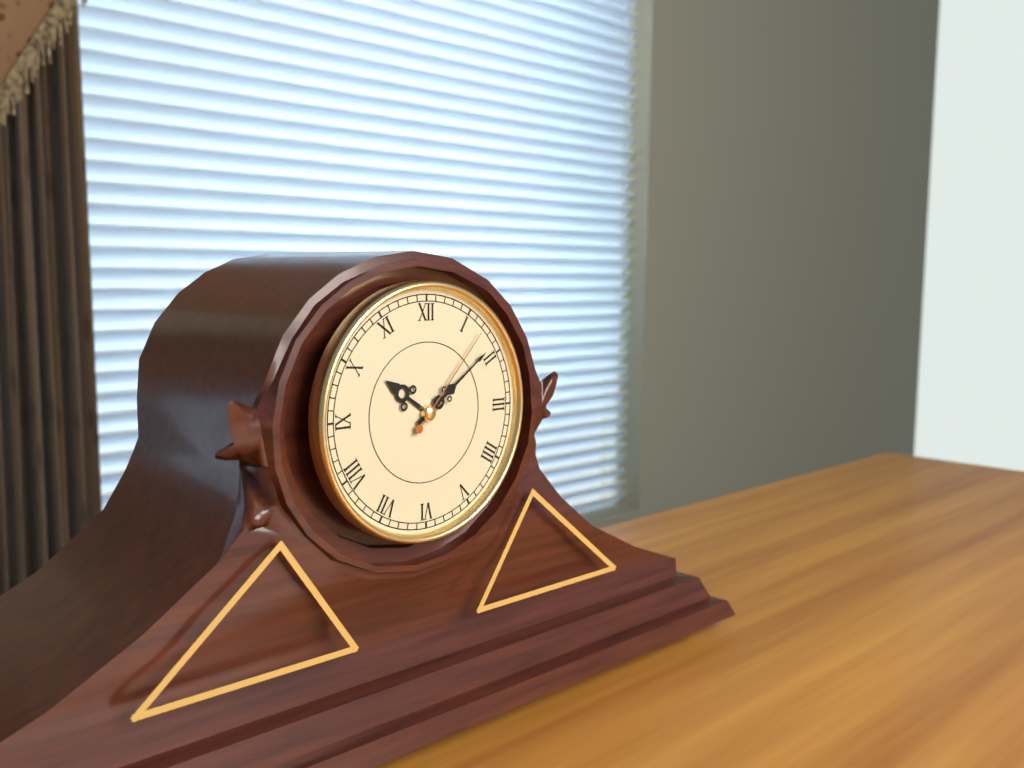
**10:09:07**
